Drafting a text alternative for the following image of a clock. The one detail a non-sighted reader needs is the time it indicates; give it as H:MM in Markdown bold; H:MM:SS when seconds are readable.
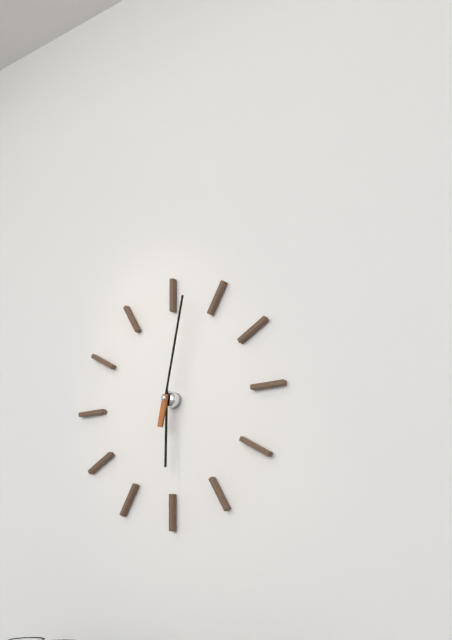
**6:02**
